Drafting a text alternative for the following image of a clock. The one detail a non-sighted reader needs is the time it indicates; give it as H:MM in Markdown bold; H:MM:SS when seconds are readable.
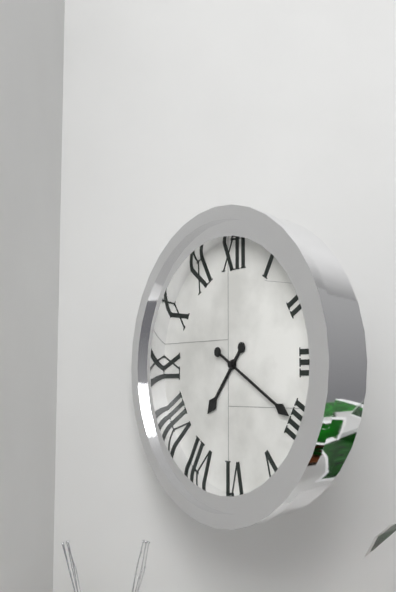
**7:20**
